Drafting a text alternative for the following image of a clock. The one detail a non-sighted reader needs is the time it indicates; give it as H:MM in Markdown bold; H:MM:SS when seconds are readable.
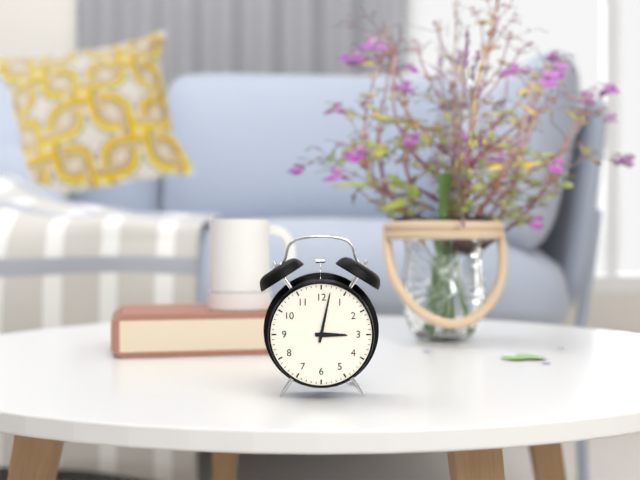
**3:02**
